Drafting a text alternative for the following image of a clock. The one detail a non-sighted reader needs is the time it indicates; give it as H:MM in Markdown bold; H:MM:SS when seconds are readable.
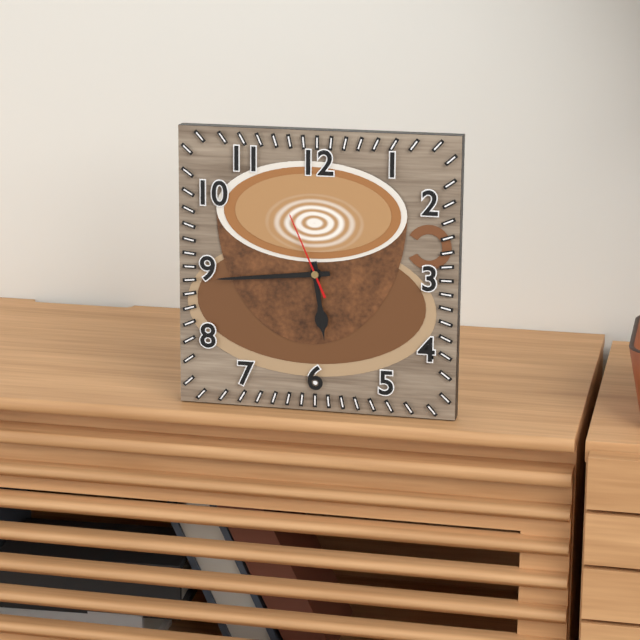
**5:44:56**
